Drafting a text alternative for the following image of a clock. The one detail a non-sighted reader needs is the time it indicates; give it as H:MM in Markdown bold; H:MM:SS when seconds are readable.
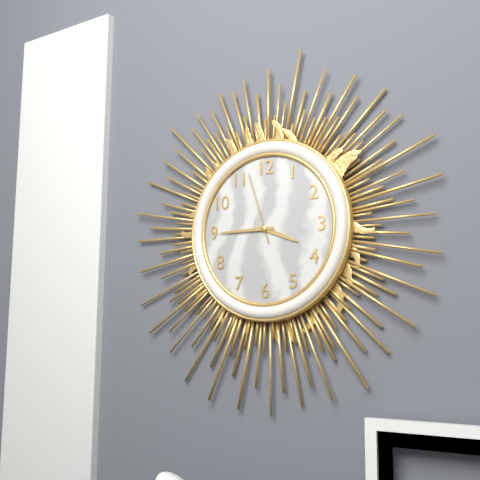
**3:45:57**
